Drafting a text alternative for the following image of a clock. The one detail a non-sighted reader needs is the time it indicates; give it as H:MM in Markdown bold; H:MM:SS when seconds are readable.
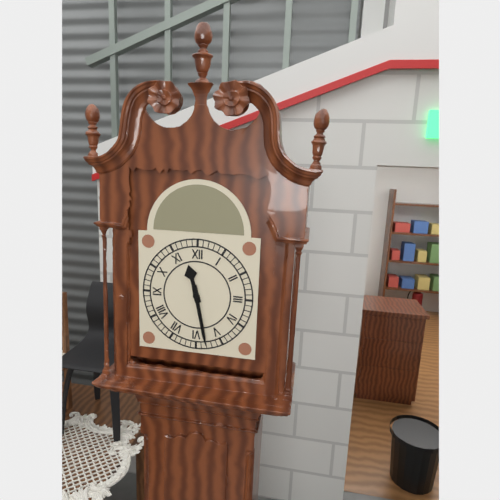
**11:28**
